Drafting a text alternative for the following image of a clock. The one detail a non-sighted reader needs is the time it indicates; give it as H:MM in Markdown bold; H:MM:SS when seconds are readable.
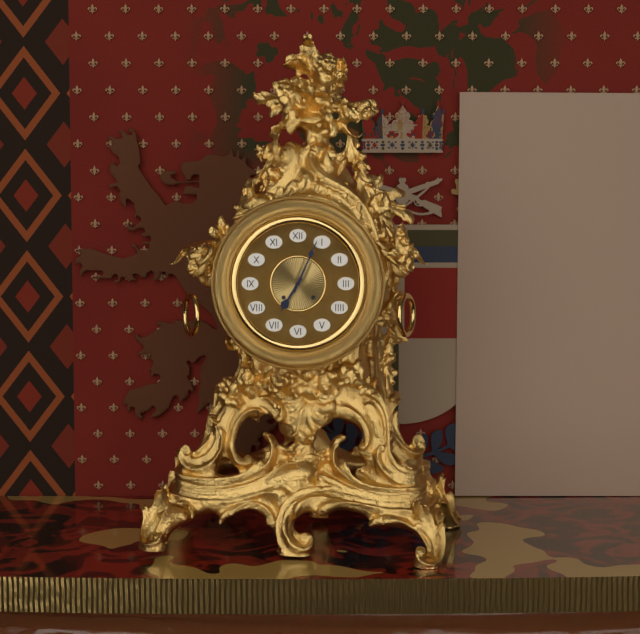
**7:04**
